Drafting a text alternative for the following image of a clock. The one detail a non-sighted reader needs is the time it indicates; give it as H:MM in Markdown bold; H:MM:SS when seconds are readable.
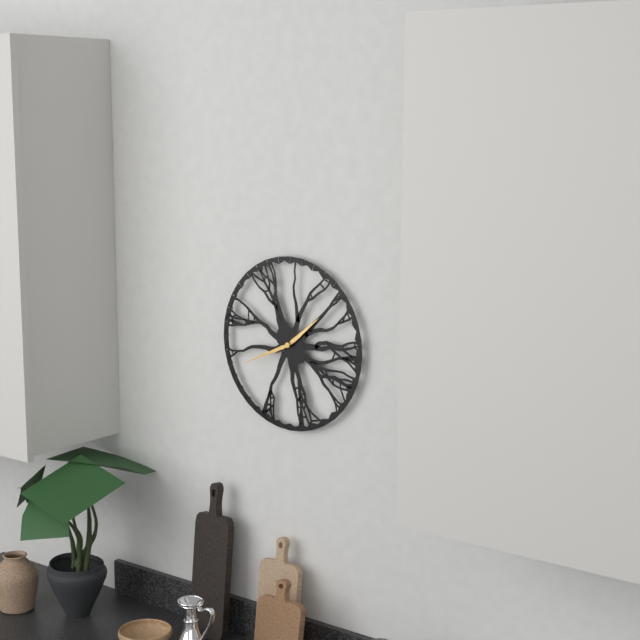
**1:41**
